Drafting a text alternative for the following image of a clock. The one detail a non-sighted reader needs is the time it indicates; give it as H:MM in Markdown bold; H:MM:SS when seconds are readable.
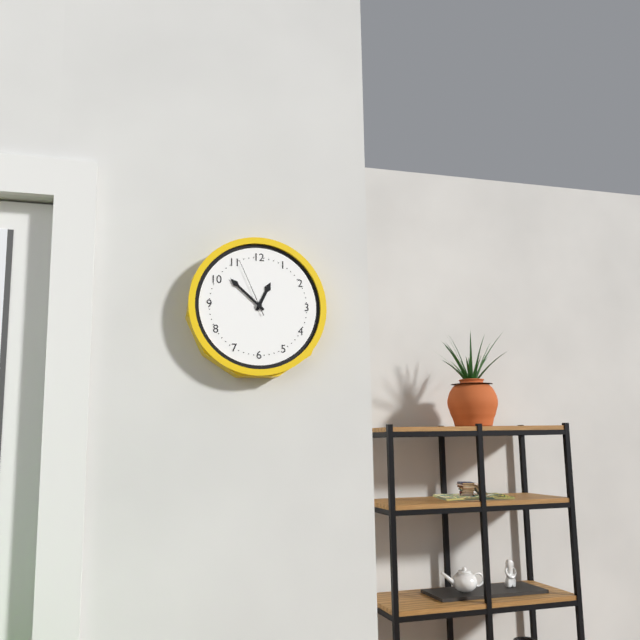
**12:52:56**
